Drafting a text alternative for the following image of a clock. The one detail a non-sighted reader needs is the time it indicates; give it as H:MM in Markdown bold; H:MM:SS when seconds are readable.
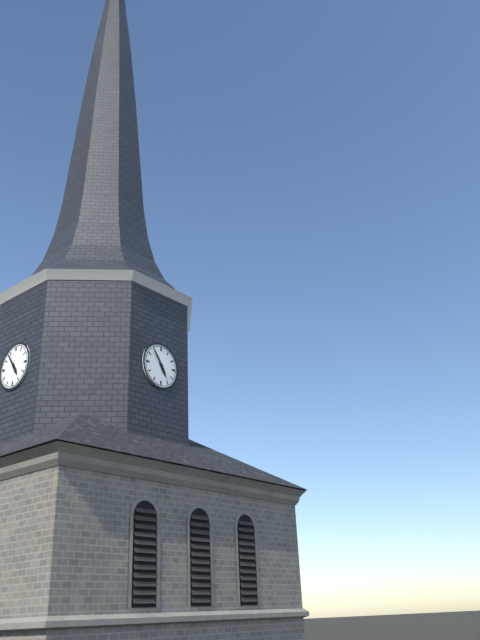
**4:54**
